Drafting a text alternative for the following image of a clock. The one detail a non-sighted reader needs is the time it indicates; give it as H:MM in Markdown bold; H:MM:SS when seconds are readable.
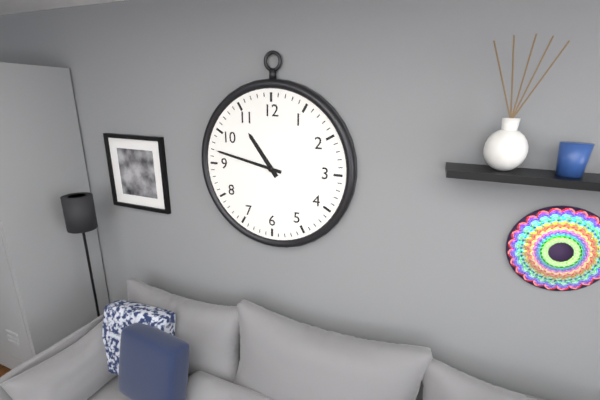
**10:47**
